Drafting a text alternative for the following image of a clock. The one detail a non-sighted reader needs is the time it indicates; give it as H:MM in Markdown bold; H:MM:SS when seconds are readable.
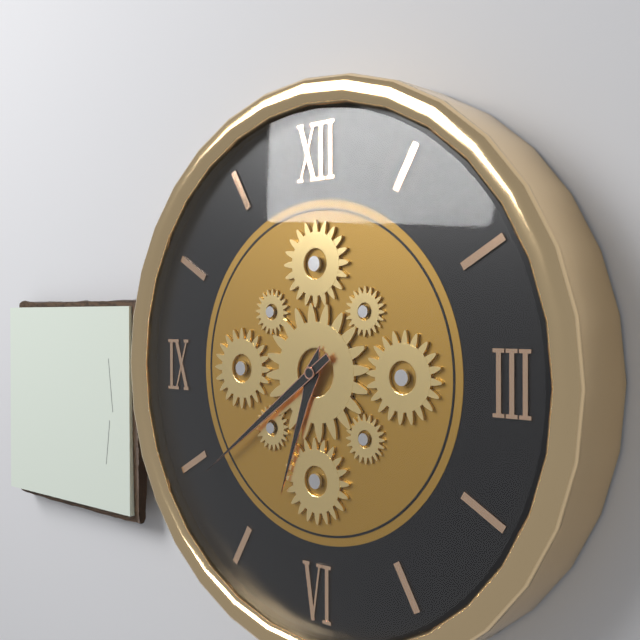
**6:39**
